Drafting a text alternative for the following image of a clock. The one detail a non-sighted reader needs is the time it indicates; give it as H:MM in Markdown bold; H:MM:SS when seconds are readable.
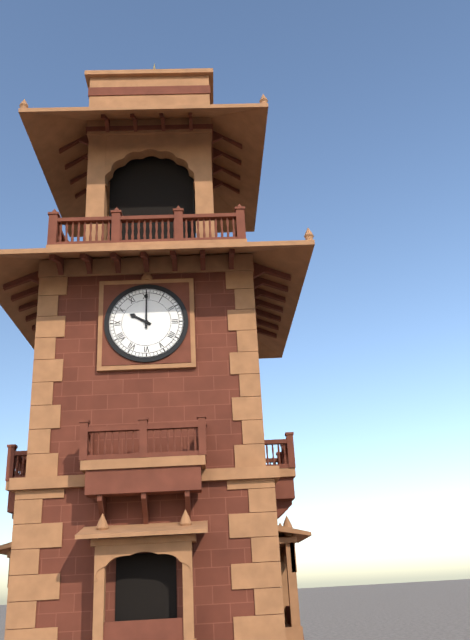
**10:00**
